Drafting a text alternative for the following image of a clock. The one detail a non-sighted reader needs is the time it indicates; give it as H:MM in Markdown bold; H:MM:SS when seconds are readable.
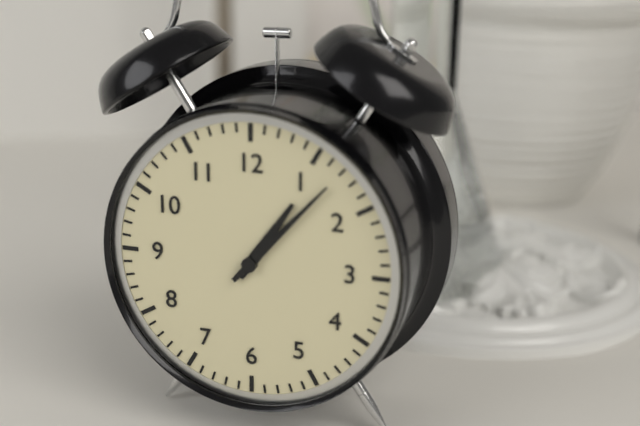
**1:07**
